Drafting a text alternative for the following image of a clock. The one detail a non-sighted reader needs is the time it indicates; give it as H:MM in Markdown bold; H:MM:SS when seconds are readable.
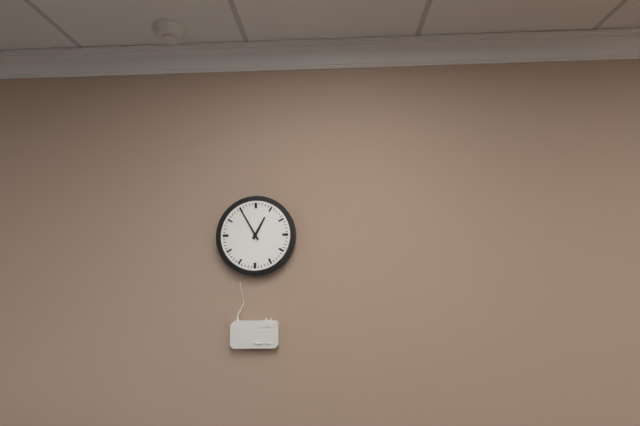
**12:55**
